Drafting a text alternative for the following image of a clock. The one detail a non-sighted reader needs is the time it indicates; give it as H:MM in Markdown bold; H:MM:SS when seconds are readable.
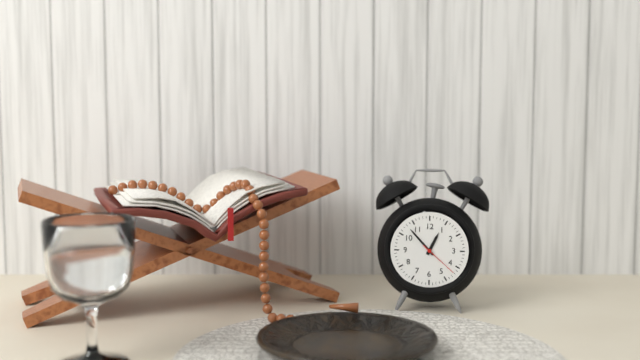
**12:53**
